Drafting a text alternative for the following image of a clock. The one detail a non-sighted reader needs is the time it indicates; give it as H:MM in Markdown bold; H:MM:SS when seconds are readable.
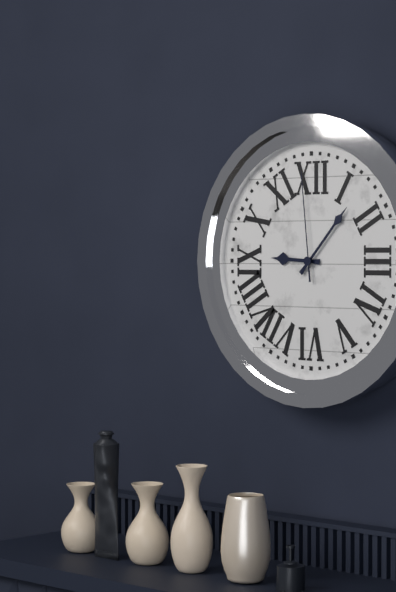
**9:07:59**
